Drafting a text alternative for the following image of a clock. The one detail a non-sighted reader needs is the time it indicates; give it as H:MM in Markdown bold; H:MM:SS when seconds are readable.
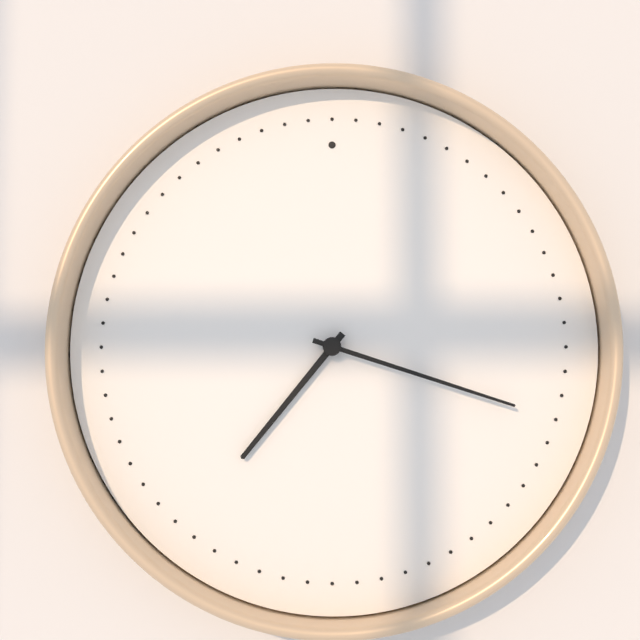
**7:18**
